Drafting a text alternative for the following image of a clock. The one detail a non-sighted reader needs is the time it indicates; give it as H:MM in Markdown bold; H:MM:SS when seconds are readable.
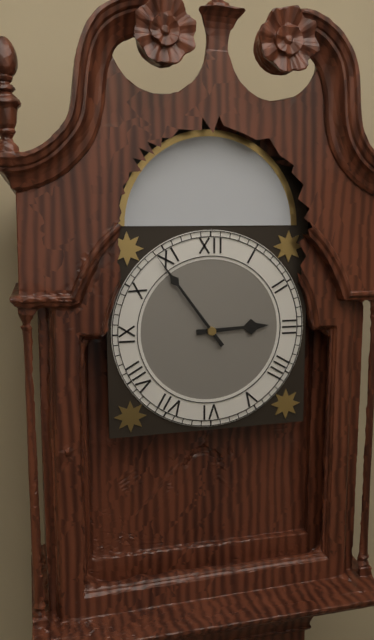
**2:54**
